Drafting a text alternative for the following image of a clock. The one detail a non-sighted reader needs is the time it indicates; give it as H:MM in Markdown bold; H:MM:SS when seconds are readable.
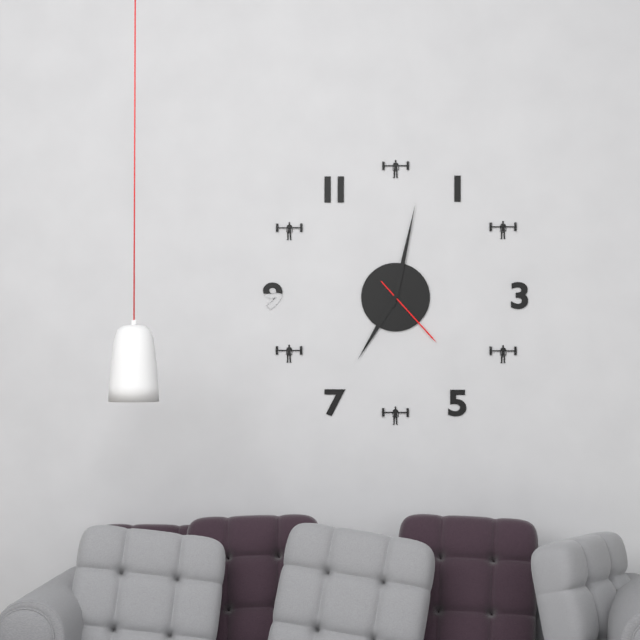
**7:02:23**
